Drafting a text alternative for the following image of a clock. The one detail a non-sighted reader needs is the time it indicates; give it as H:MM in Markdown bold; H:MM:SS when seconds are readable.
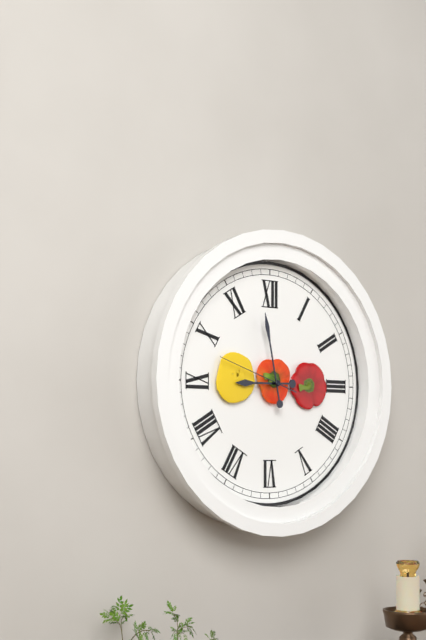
**8:58:48**
